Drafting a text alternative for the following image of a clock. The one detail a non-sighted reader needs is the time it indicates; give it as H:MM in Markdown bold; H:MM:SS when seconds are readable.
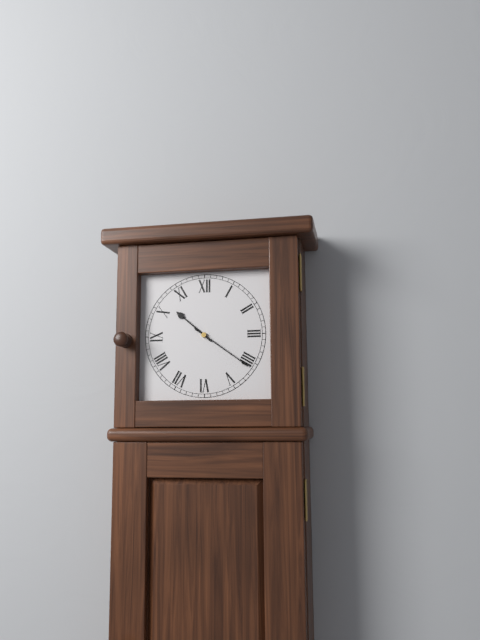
**10:21**
